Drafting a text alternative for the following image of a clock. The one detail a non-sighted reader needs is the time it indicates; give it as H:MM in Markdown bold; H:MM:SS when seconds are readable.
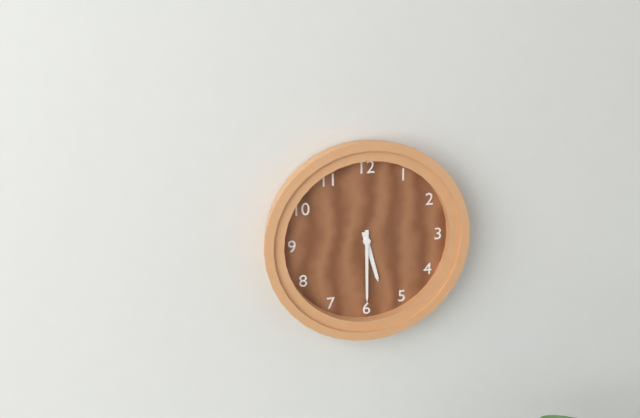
**5:30**
